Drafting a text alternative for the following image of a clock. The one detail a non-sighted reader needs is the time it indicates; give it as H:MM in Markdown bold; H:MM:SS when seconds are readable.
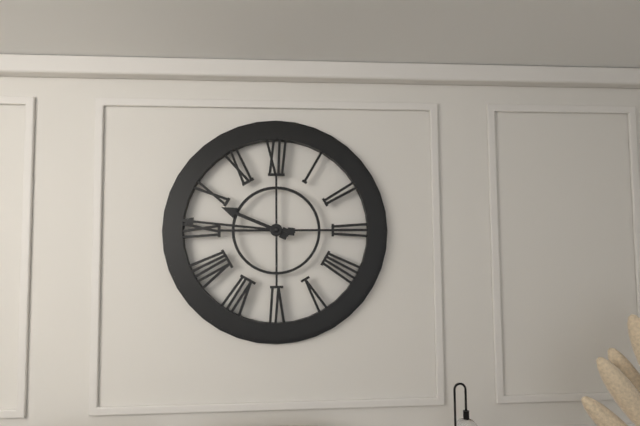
**9:46**
